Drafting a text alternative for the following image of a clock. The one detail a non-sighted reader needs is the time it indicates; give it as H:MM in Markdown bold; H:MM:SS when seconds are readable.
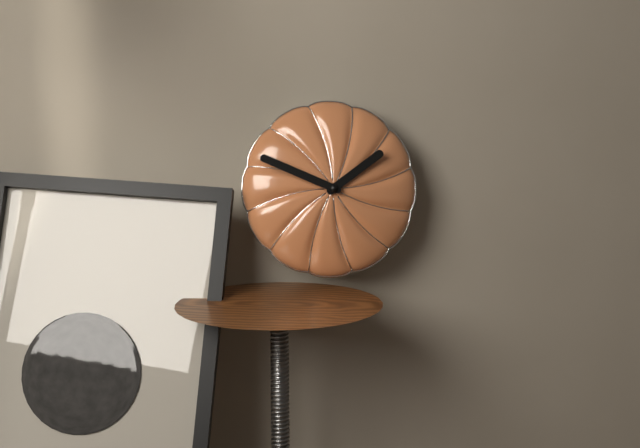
**1:49**
